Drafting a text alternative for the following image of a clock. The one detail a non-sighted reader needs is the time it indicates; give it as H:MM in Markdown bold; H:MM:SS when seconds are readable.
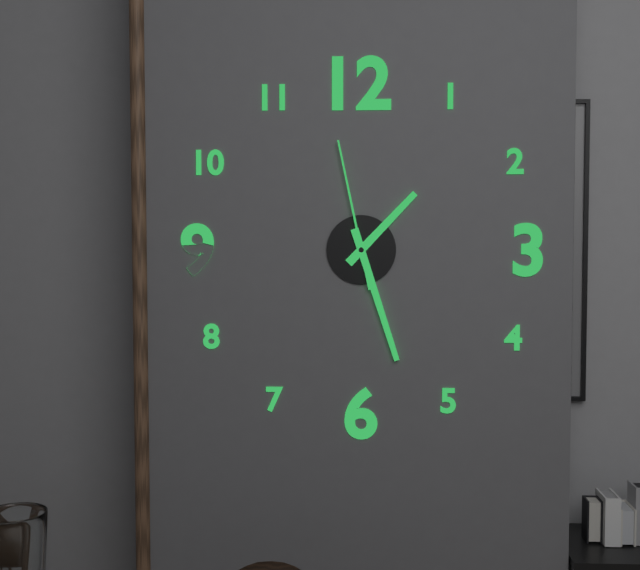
**1:27:58**
